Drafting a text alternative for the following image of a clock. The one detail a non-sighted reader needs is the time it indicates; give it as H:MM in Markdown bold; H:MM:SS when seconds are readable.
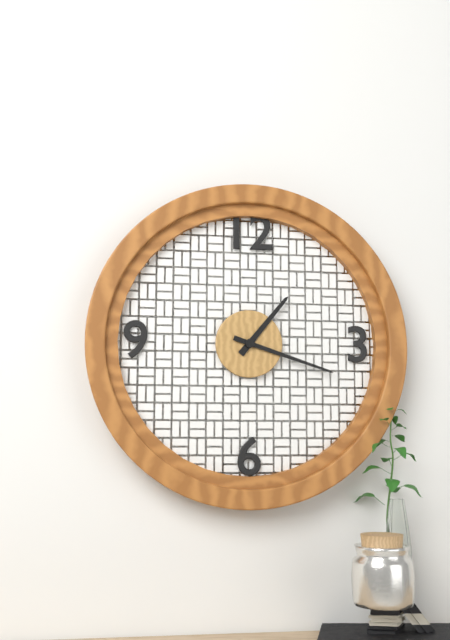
**1:18**
